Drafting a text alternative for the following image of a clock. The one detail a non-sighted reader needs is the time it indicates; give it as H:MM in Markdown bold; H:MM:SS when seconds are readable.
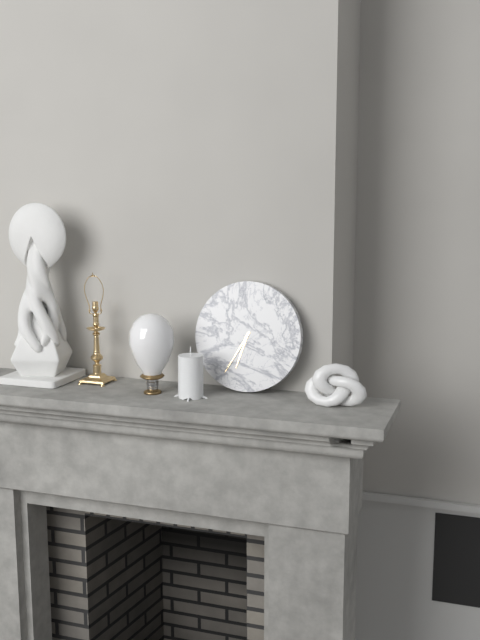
**6:35**
